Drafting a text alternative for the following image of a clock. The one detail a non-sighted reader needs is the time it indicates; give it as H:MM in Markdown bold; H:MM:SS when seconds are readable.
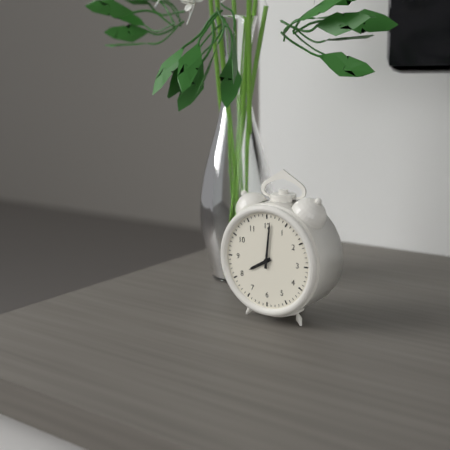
**8:01**
